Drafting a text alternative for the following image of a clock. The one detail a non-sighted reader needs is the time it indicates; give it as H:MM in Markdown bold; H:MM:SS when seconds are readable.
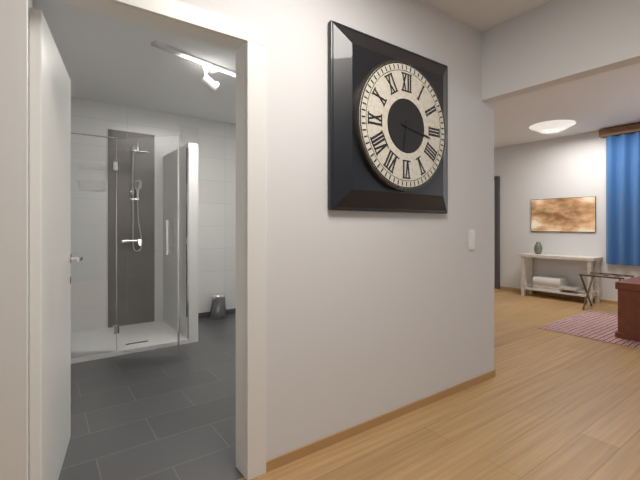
**6:17**
